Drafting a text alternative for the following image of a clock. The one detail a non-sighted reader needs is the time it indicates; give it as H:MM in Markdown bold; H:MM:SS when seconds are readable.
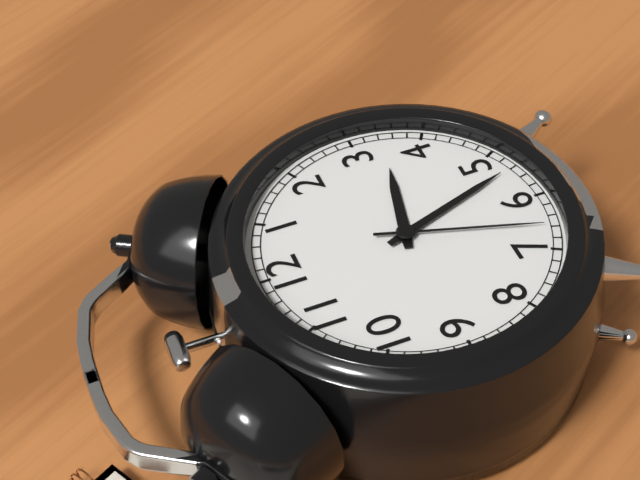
**3:27:33**
